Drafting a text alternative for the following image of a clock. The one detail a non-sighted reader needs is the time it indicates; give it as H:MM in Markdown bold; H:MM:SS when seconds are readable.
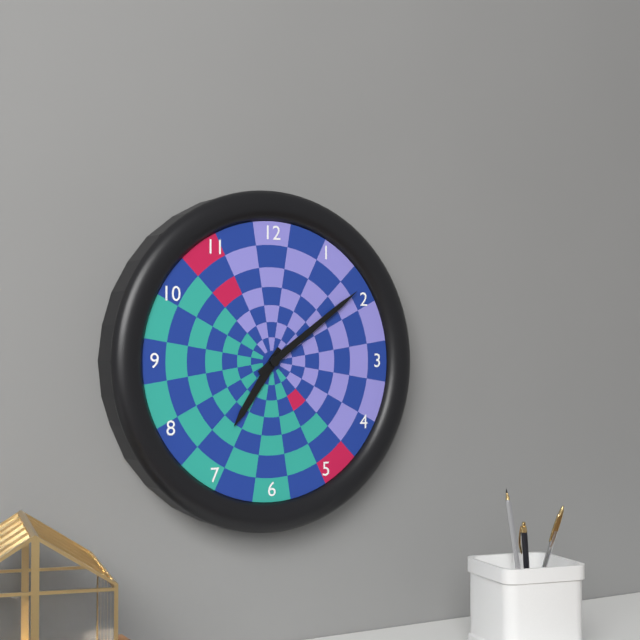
**7:09**
